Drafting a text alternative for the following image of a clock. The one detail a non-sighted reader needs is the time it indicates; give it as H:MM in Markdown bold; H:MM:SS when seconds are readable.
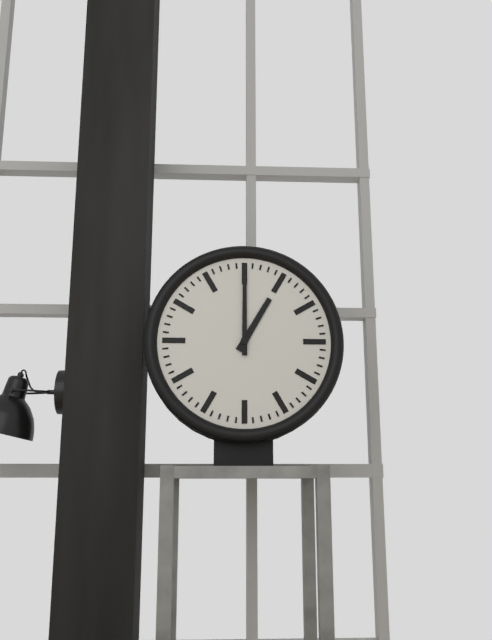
**1:00**
